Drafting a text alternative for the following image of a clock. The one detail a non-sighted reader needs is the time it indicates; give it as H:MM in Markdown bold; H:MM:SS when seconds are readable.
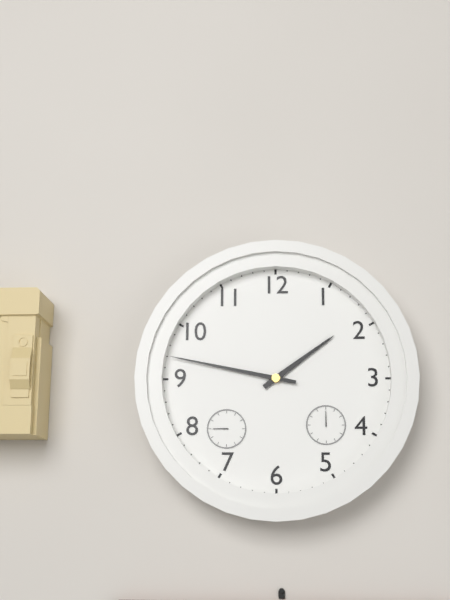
**1:47**
